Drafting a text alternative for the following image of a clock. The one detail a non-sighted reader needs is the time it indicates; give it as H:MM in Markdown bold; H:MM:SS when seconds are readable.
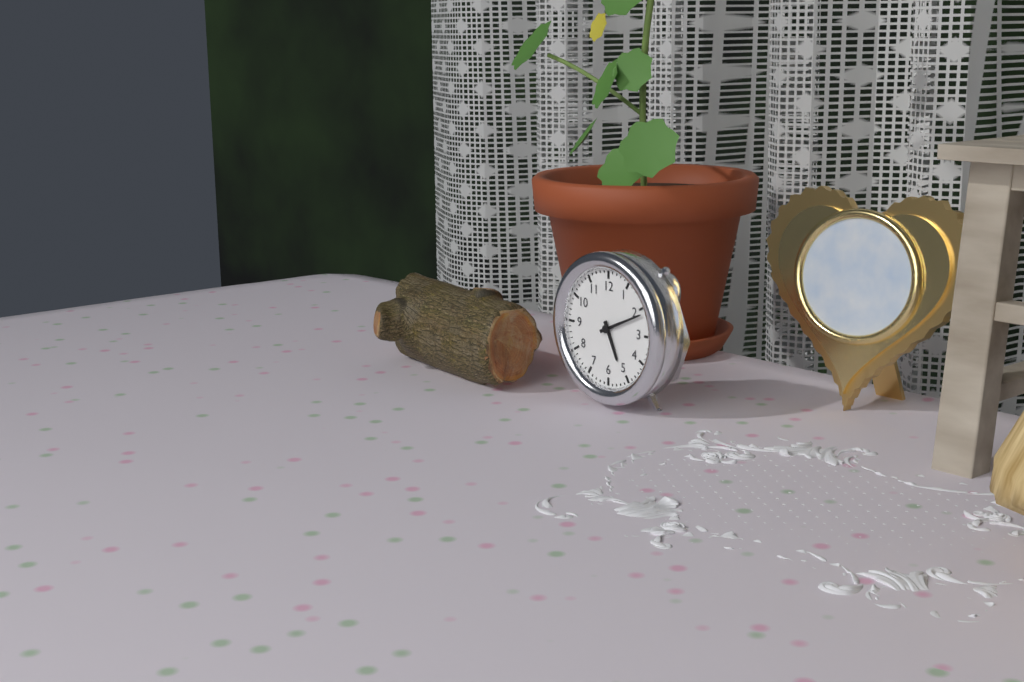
**5:11**
